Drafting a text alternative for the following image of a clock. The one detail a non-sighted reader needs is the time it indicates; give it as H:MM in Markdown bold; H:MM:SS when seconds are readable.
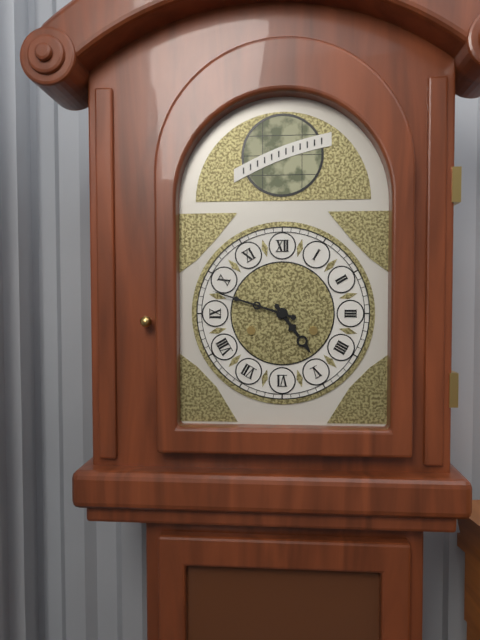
**4:48**
